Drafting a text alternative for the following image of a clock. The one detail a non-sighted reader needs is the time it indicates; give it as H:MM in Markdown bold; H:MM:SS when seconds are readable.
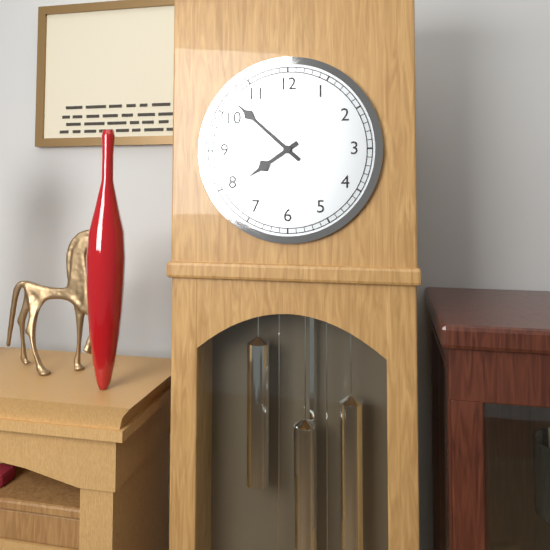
**7:52**
